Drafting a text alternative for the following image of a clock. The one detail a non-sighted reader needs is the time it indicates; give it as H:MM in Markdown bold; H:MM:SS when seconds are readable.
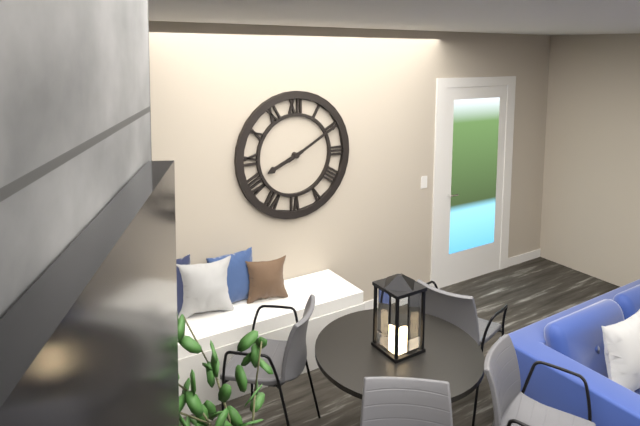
**8:10**
